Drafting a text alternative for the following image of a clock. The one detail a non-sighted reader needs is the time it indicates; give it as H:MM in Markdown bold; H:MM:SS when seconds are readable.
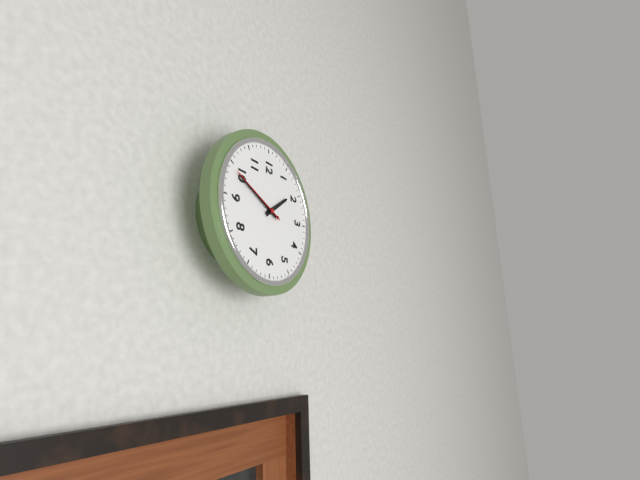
**1:49:49**
